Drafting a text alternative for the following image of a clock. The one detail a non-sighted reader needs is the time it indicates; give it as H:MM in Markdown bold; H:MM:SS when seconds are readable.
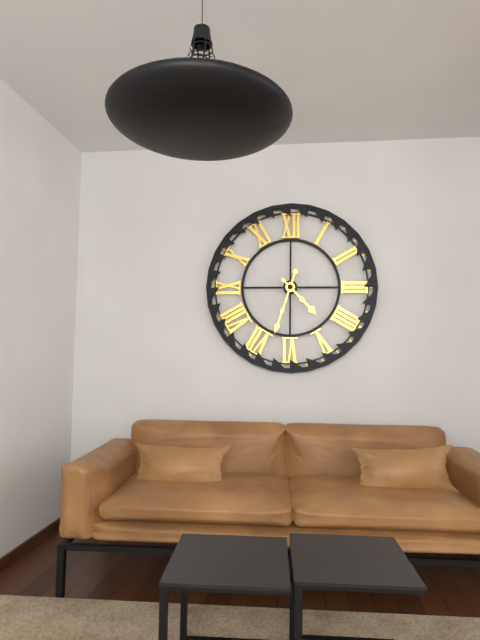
**4:33**
